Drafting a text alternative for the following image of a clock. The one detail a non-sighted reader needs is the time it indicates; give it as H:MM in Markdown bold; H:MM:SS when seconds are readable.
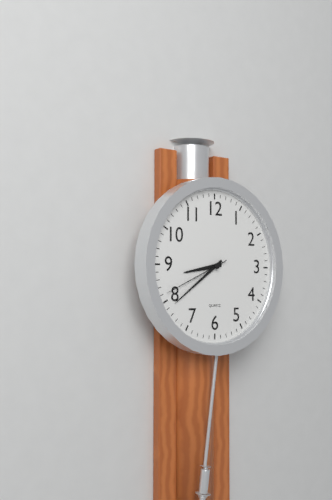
**8:39:41**
